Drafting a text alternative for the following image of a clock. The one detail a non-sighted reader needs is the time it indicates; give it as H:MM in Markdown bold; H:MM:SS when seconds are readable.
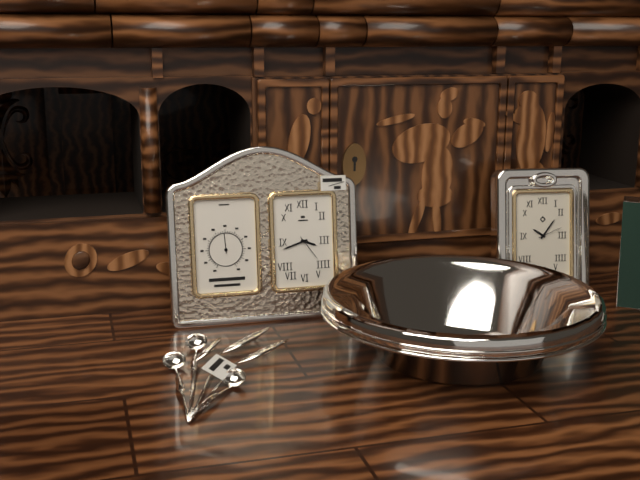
**3:42**
